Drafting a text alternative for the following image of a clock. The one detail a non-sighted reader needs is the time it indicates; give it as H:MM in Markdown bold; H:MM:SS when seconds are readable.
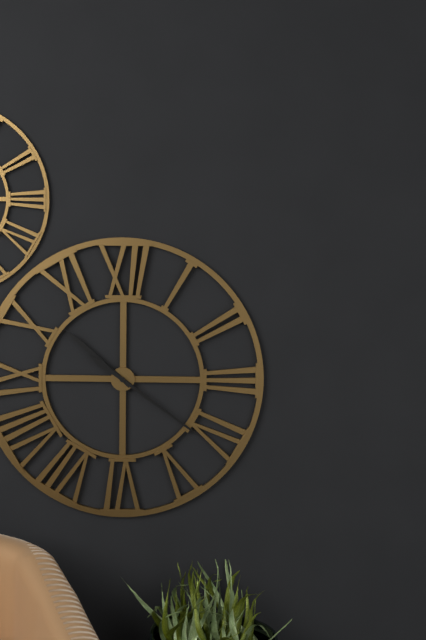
**10:21**
